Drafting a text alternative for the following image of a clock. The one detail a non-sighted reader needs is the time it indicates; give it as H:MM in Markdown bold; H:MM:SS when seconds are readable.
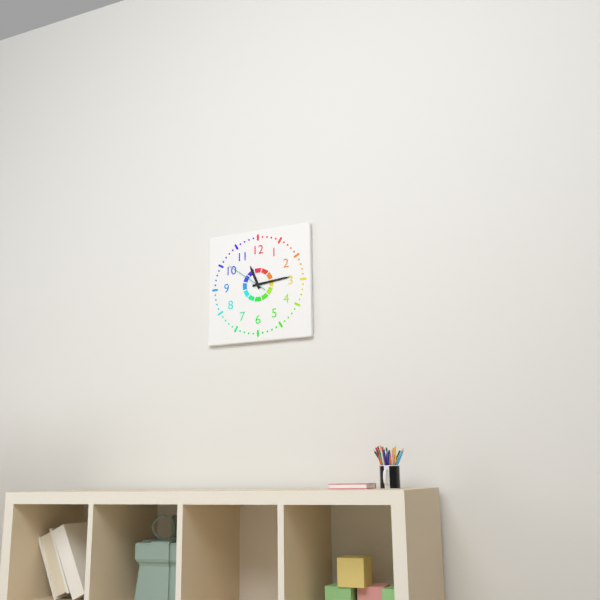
**11:14**
